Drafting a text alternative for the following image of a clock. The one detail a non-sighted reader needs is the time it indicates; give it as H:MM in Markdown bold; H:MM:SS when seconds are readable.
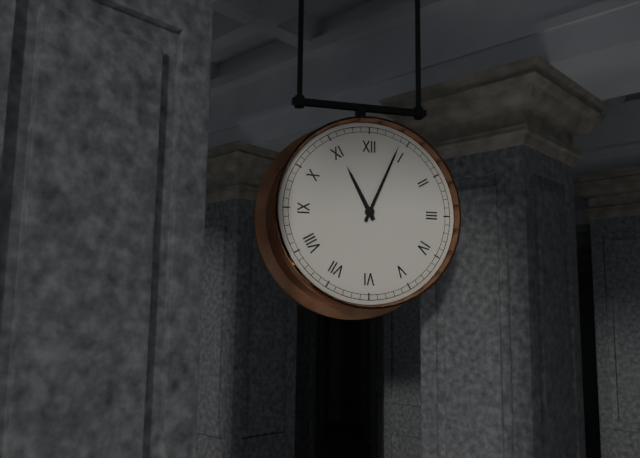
**11:04**
